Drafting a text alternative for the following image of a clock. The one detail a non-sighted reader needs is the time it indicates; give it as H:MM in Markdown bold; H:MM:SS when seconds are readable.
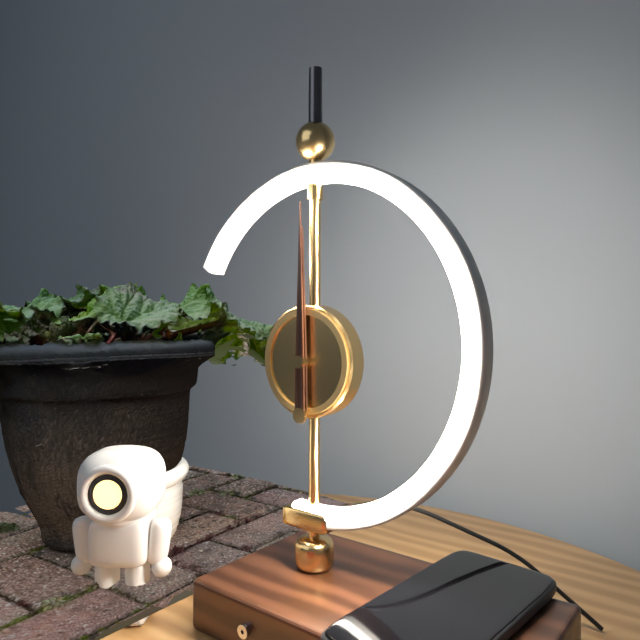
**12:00**
